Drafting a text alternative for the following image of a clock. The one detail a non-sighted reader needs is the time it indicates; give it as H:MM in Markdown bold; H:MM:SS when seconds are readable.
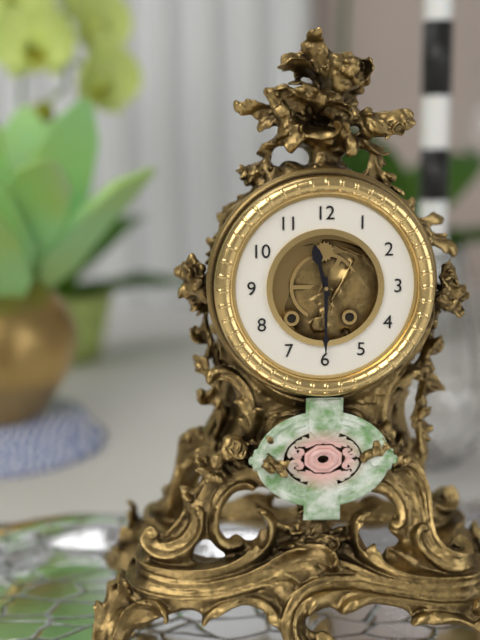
**11:30**
